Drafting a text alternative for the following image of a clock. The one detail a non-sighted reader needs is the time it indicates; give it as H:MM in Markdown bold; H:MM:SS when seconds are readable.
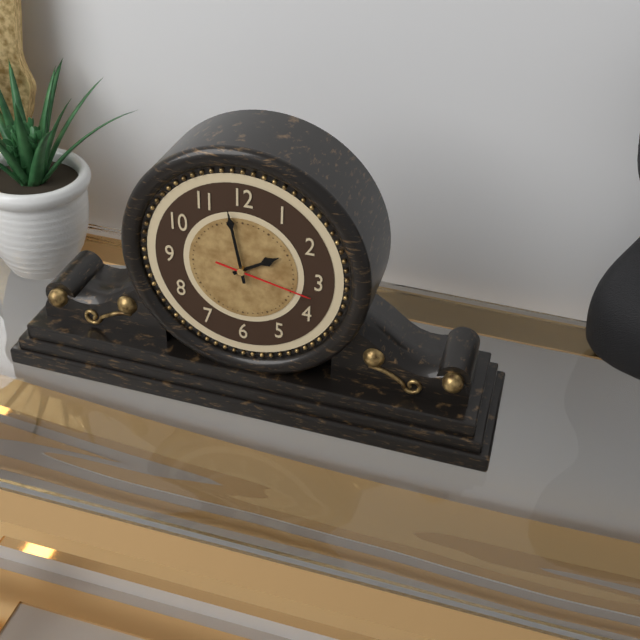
**1:58:17**
